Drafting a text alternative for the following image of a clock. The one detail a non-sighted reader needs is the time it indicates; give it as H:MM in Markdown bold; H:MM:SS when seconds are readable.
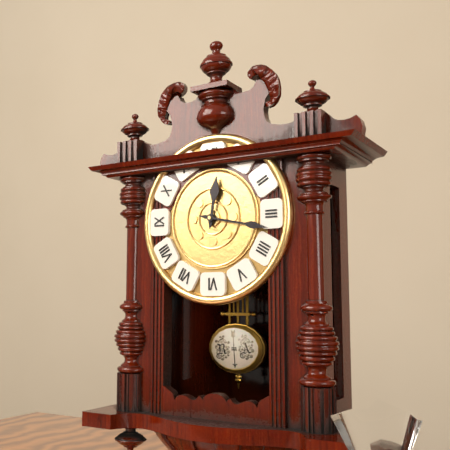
**12:17**
